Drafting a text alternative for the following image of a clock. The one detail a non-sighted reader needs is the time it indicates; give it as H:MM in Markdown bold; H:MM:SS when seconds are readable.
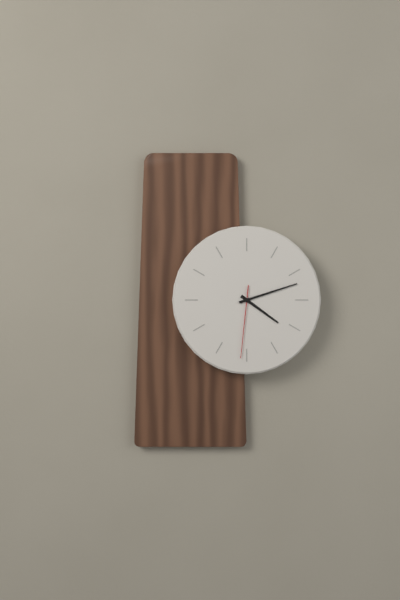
**4:12:31**
